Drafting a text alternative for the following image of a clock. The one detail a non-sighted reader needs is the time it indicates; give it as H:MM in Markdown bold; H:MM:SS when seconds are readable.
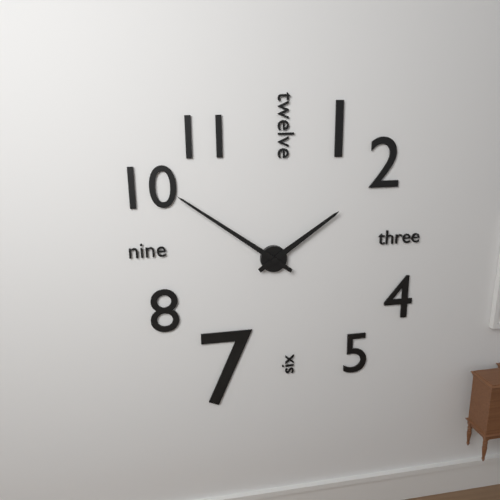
**1:51**
